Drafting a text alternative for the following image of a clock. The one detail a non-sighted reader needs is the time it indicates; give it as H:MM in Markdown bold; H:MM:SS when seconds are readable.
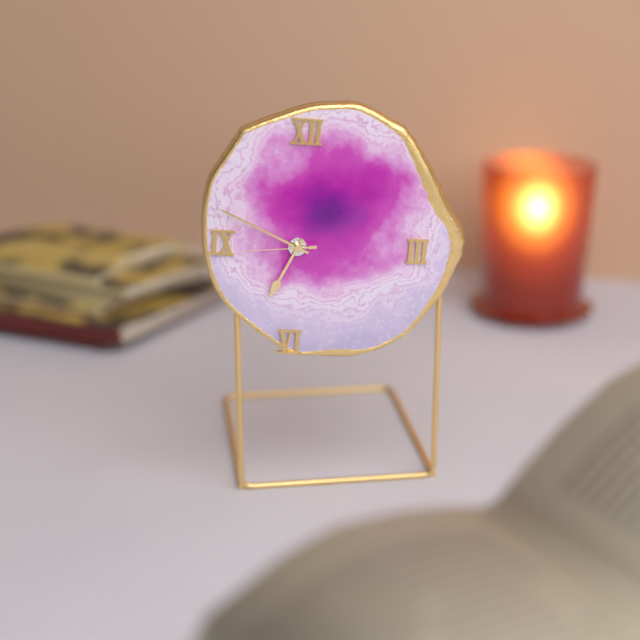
**6:49:44**
